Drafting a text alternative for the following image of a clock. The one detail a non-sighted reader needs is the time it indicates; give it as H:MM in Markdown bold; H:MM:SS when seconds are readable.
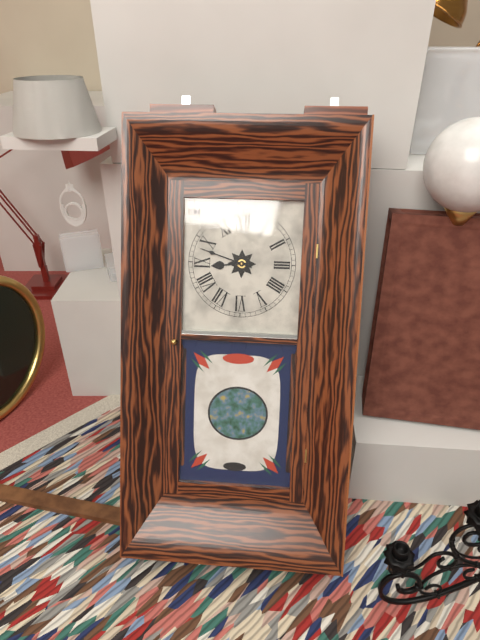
**8:48**
